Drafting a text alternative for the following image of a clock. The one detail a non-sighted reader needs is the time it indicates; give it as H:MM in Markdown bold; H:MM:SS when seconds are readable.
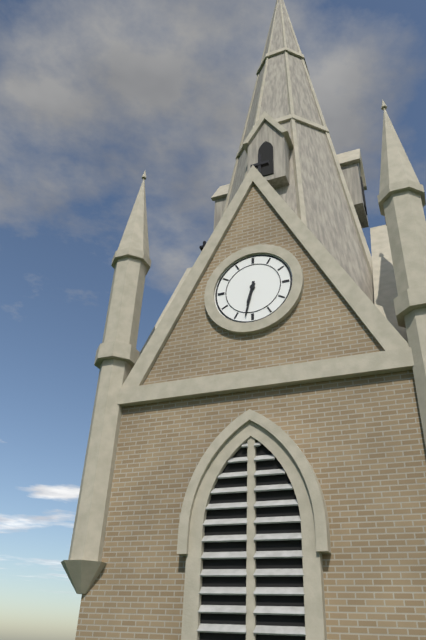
**6:32**
